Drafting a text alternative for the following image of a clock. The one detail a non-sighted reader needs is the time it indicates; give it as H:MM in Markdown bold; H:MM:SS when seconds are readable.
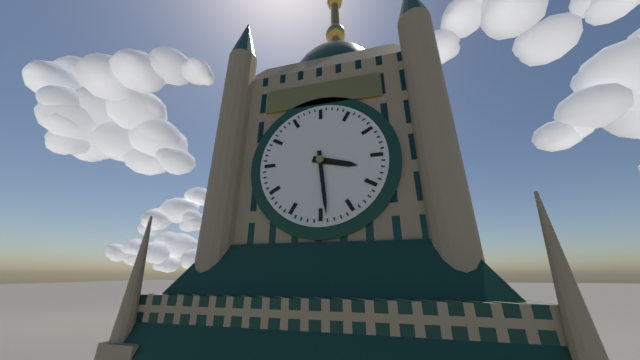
**3:29**
